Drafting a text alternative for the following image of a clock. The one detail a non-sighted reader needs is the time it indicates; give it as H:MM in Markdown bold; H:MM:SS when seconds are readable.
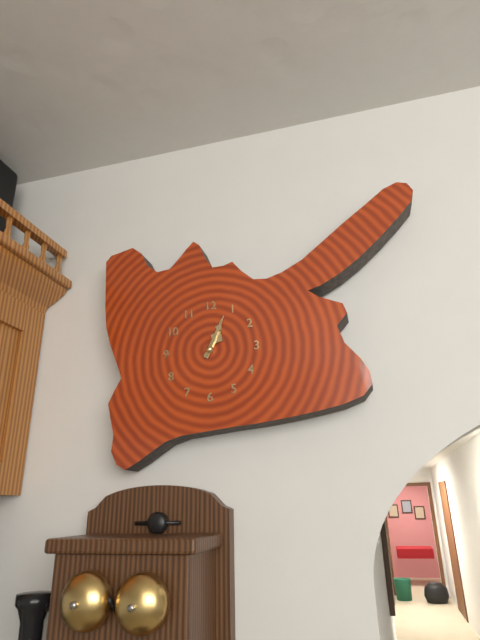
**1:04**
